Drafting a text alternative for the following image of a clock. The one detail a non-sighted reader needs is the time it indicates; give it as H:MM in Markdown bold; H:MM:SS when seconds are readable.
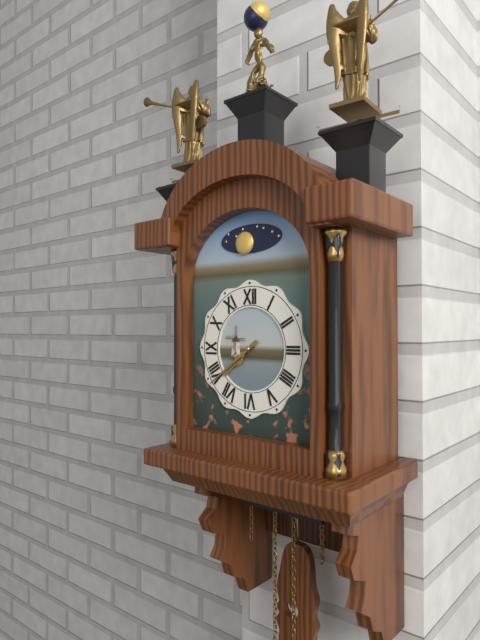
**7:39**
